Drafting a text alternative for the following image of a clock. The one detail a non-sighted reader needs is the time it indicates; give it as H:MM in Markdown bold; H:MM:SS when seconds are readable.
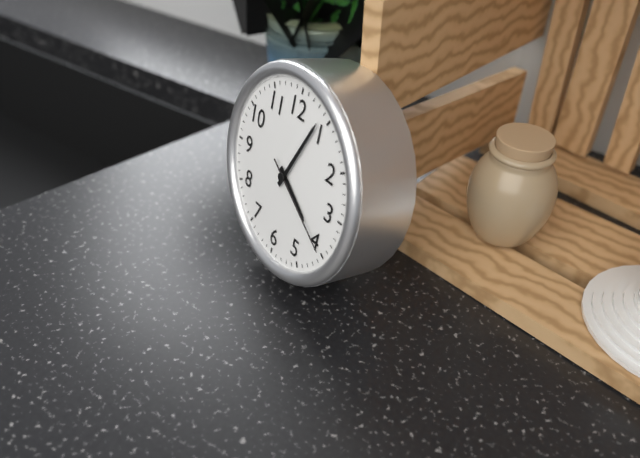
**4:04:20**
